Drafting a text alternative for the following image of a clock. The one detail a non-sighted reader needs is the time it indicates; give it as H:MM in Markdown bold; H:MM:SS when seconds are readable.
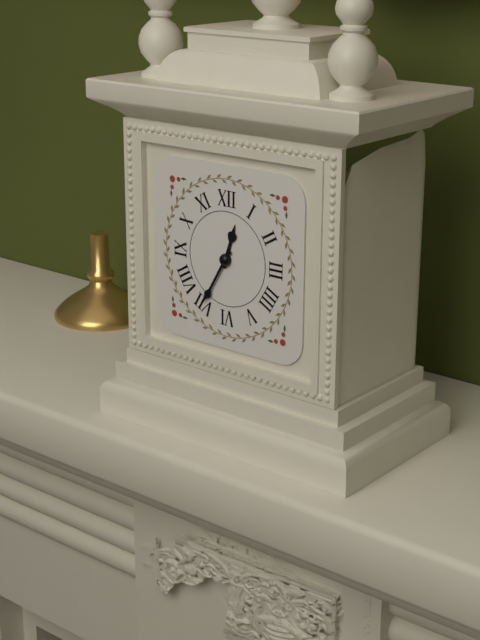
**12:35**
